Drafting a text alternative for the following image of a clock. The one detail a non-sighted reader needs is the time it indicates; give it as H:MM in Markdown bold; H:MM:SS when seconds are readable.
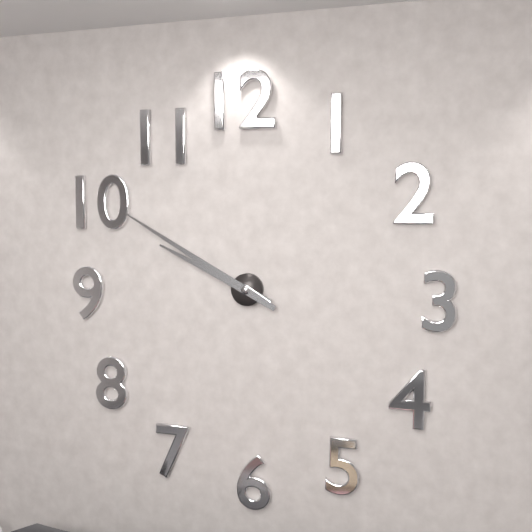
**9:50**
